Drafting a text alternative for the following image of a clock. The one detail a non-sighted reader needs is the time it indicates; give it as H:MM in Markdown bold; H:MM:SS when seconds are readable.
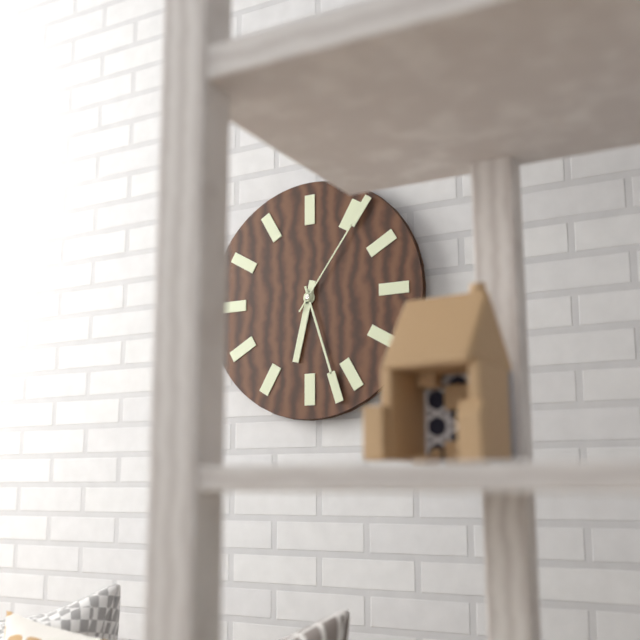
**6:27:06**
